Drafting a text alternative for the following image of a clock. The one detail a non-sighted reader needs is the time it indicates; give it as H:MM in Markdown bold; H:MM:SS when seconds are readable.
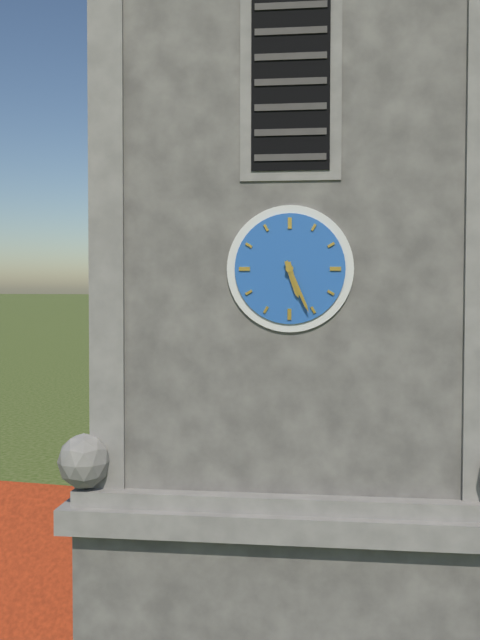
**5:26**
